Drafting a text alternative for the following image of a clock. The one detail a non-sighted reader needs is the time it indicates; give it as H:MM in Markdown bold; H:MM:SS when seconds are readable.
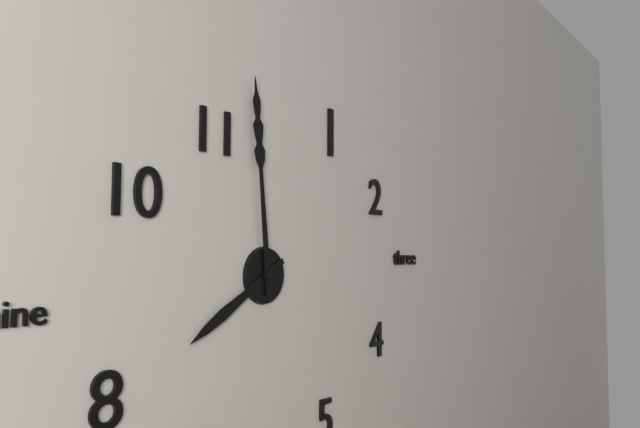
**7:59**
